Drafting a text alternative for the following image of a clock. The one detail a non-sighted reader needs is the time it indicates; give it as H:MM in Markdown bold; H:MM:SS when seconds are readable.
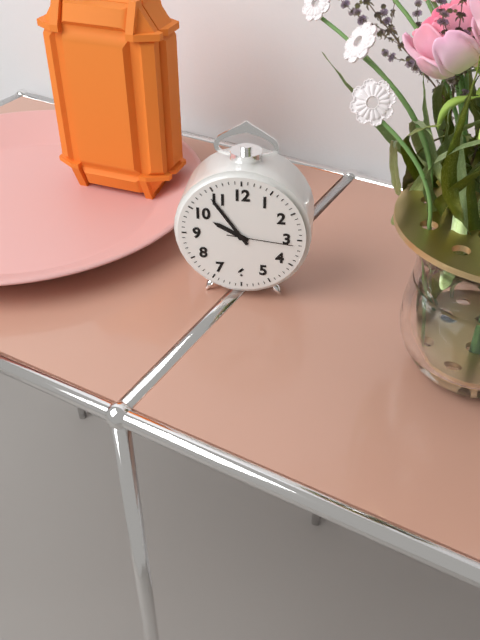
**9:54:16**
